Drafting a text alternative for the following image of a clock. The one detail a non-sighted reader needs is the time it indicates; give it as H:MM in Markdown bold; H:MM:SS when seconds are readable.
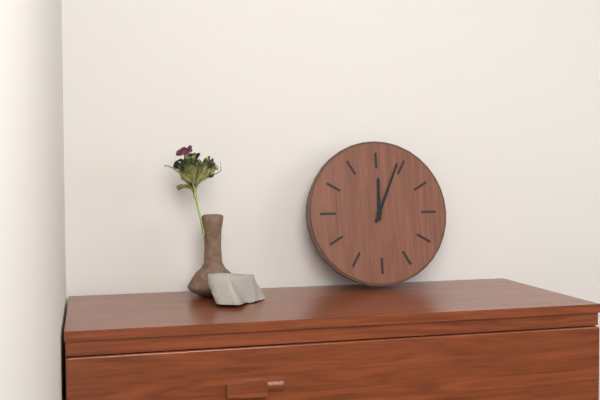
**12:04**
